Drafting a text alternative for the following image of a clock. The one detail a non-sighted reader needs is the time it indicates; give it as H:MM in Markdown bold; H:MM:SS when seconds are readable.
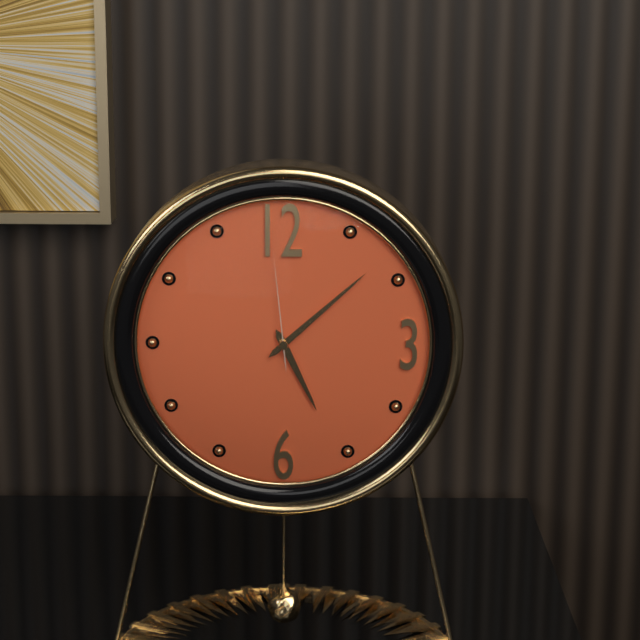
**5:08:59**
